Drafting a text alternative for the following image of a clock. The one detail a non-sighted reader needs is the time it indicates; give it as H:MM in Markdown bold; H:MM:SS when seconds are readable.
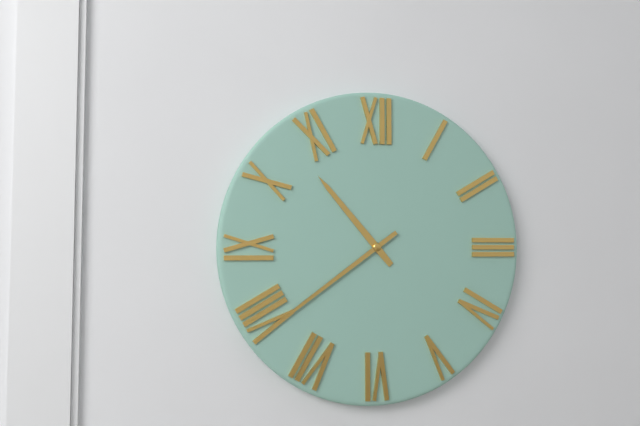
**10:39**
